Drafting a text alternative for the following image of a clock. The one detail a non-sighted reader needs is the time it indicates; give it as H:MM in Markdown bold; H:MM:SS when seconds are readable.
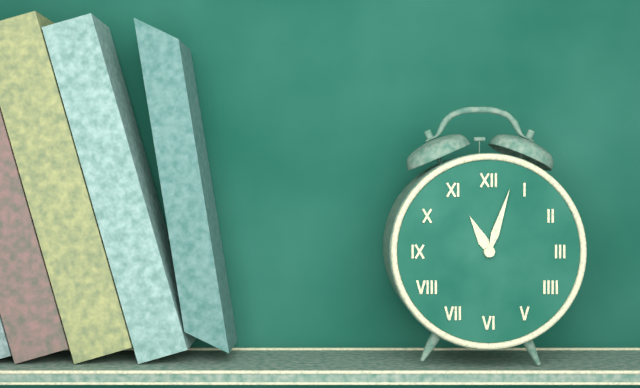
**11:03**
